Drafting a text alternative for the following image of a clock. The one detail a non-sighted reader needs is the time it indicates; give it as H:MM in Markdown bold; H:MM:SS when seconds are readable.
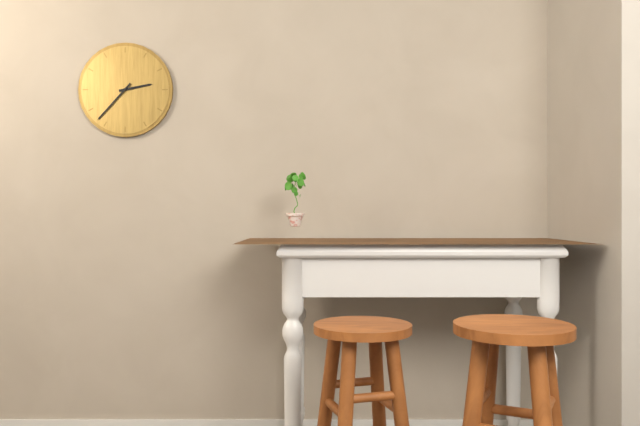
**2:37**
